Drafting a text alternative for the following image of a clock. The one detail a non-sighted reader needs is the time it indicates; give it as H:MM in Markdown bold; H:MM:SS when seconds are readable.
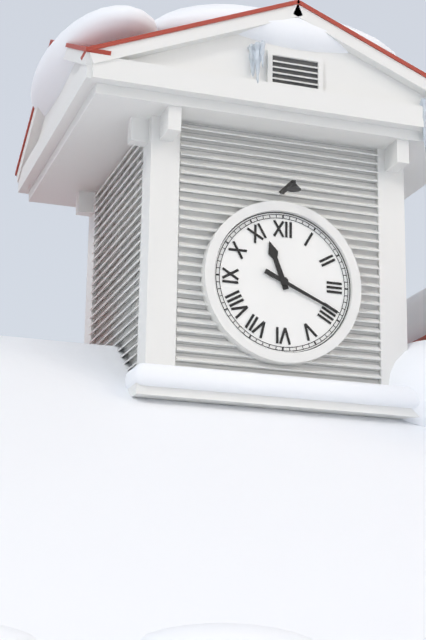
**11:19**
